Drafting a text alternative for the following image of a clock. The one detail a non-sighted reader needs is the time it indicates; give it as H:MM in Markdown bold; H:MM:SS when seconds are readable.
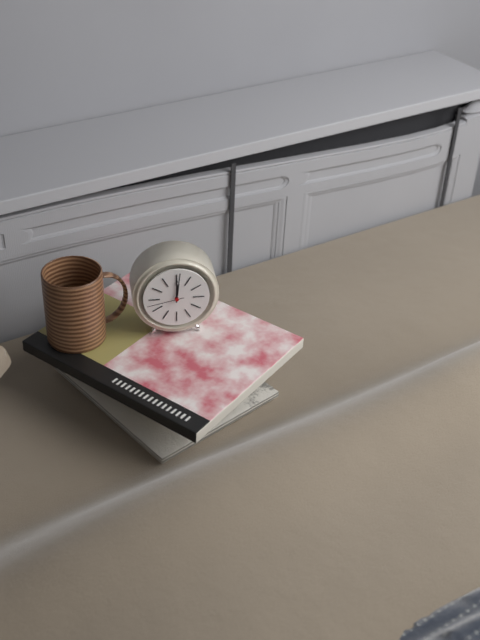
**12:01**
